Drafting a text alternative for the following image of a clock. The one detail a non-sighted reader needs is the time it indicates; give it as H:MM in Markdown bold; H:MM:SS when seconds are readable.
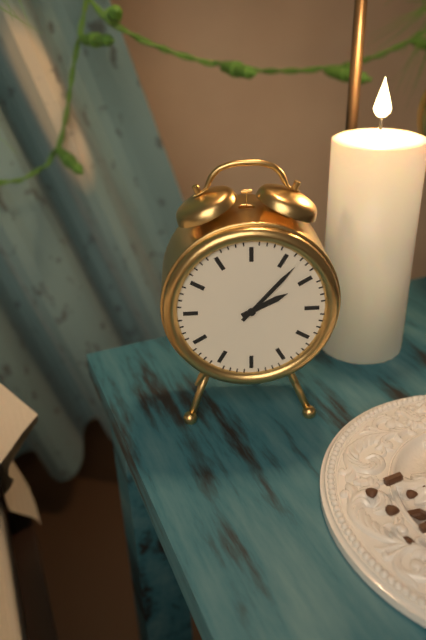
**2:07**
